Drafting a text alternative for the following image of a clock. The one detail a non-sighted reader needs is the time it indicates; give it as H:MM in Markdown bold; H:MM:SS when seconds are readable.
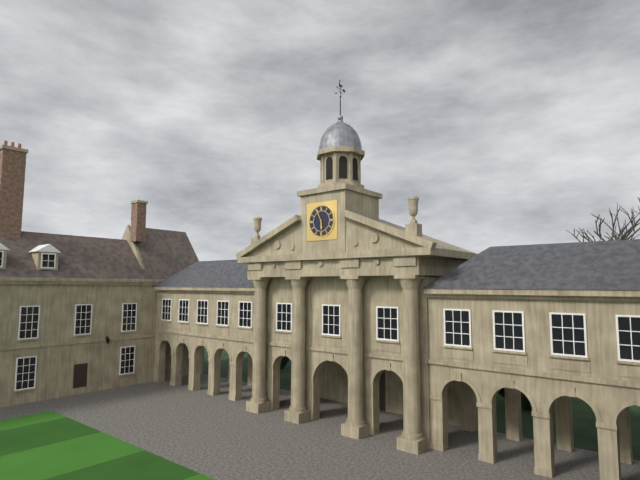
**5:56**
